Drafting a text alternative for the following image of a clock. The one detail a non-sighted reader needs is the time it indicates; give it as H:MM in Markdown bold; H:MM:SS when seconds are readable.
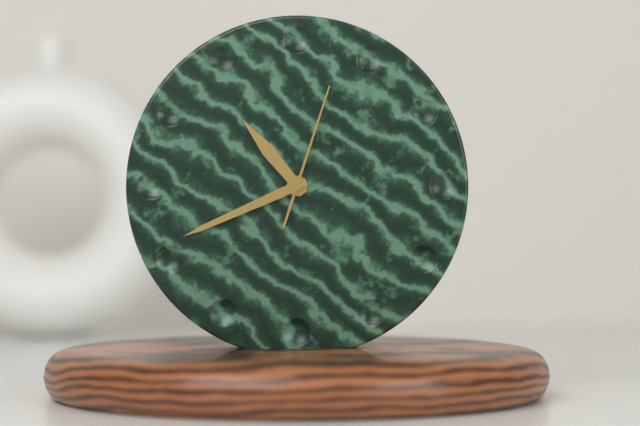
**10:41:03**
